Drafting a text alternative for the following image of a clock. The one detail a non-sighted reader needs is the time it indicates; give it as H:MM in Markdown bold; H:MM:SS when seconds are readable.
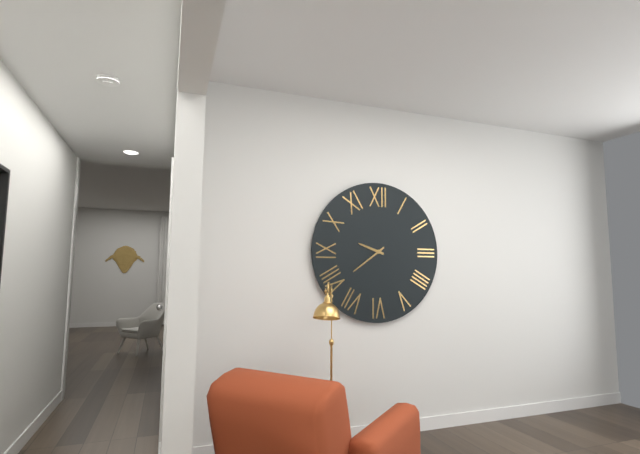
**9:39**
